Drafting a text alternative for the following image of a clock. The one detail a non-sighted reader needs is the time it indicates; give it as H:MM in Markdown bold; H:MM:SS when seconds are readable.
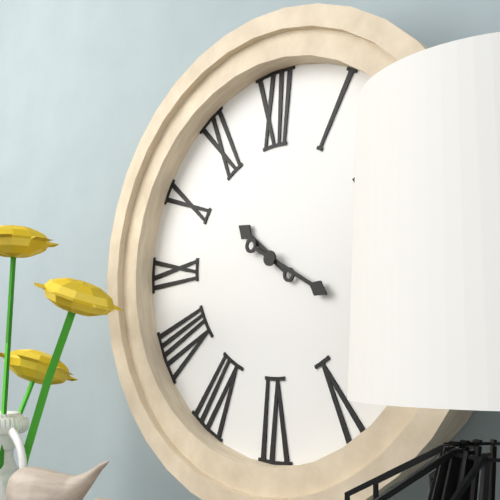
**10:20**
